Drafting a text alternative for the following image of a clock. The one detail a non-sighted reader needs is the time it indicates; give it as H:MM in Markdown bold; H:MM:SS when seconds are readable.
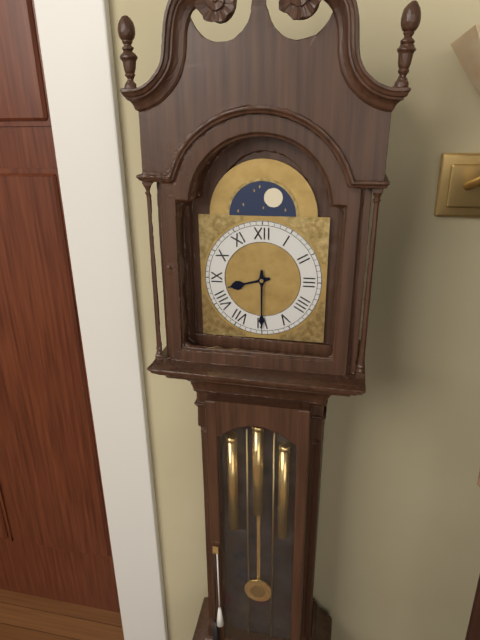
**8:30**
